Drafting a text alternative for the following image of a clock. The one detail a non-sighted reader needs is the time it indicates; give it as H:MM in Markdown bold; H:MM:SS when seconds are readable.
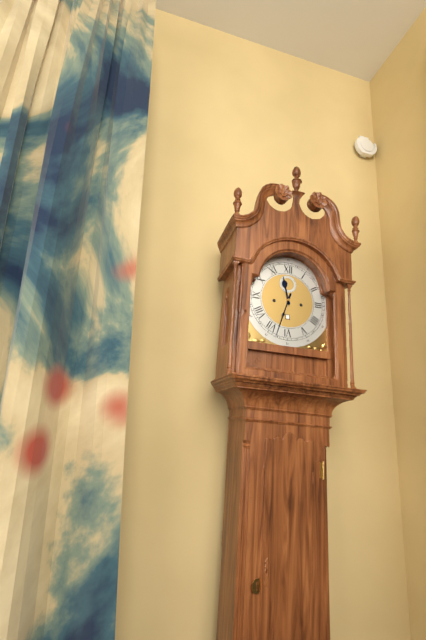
**11:33**
